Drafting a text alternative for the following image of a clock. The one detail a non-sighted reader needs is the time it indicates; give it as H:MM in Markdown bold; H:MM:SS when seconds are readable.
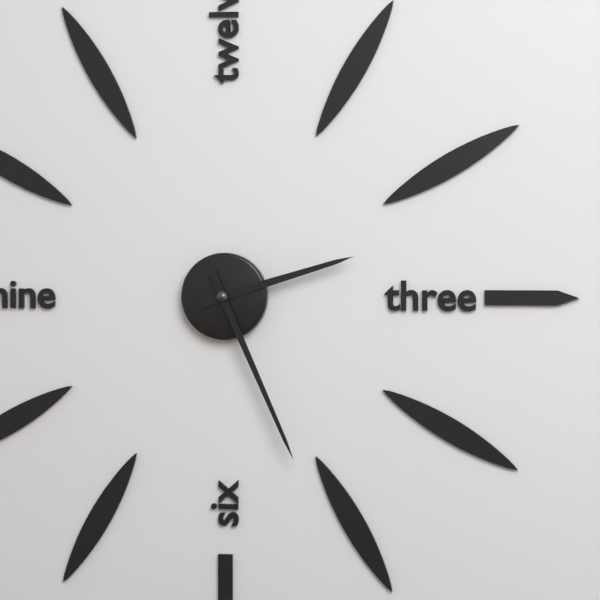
**2:26**
